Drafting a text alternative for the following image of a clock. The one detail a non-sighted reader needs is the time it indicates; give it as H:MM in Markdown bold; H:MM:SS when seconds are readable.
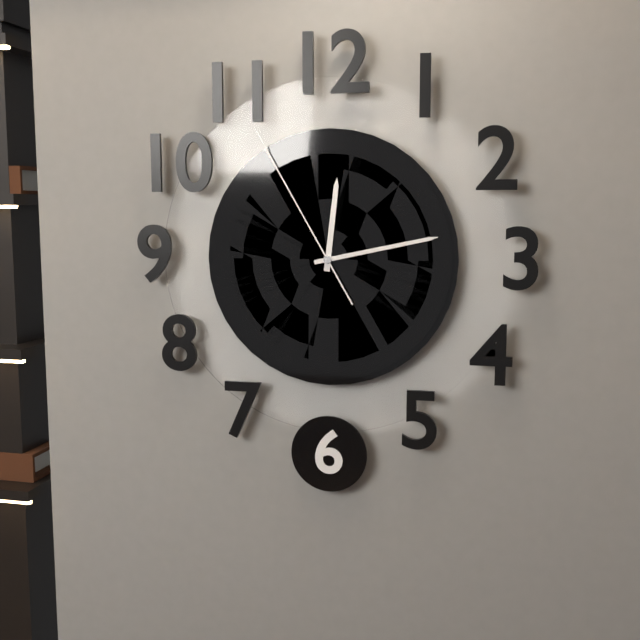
**12:13:55**
